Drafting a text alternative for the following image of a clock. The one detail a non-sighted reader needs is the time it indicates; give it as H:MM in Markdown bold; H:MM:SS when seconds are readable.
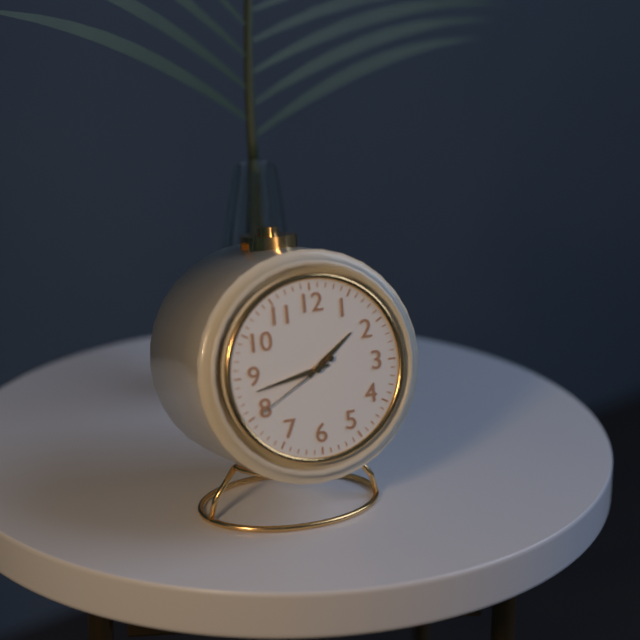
**1:43:40**
